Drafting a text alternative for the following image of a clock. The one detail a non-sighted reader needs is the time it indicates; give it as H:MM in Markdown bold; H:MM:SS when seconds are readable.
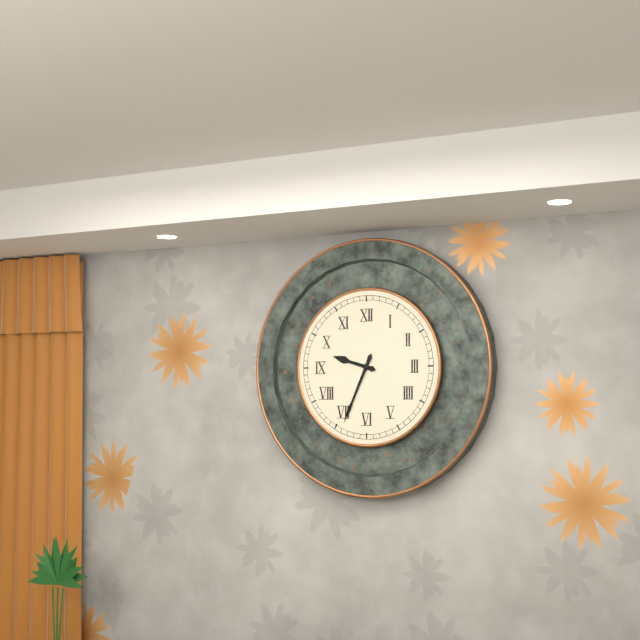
**9:34**
